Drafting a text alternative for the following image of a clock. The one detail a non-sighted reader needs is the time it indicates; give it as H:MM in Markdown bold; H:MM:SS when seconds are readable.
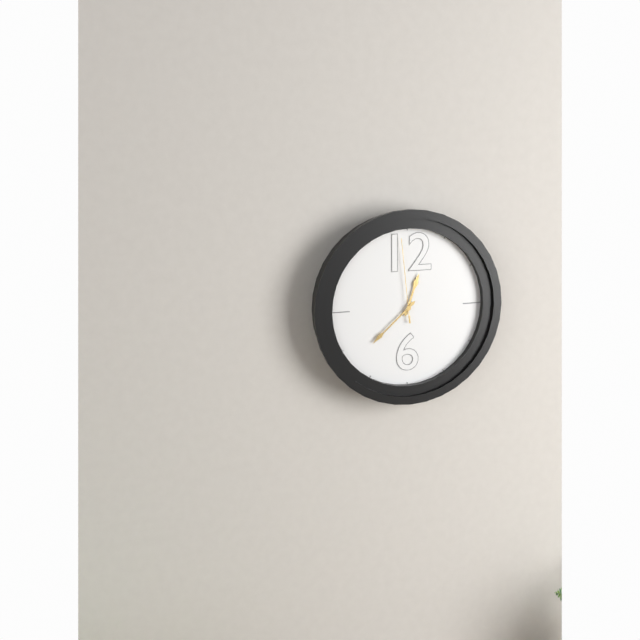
**12:38:59**
